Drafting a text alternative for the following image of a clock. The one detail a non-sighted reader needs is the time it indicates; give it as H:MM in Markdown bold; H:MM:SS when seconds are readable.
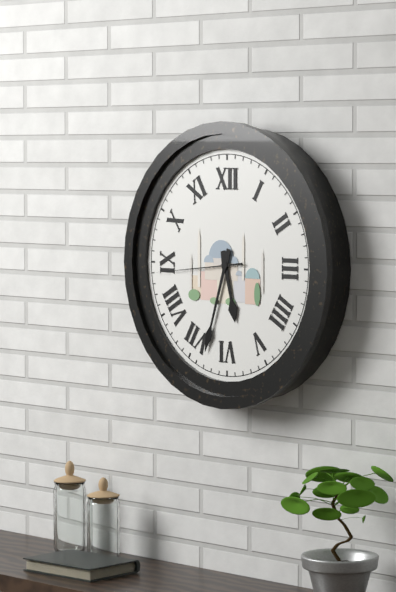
**5:33:44**
